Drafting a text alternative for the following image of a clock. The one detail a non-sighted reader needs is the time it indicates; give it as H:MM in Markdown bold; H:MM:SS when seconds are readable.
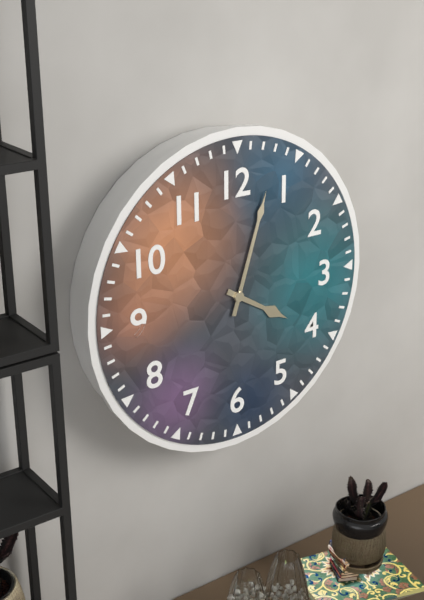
**4:03**
